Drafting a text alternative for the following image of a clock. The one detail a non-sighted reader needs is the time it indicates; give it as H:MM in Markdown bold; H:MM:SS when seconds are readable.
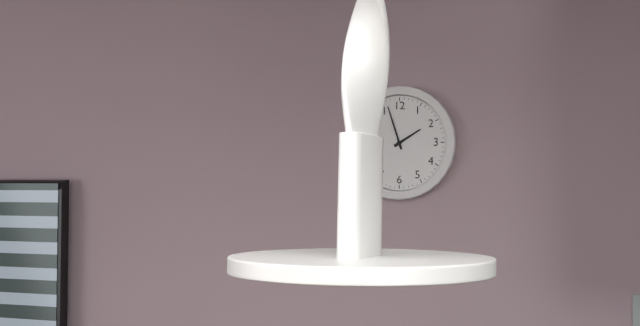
**1:57**
